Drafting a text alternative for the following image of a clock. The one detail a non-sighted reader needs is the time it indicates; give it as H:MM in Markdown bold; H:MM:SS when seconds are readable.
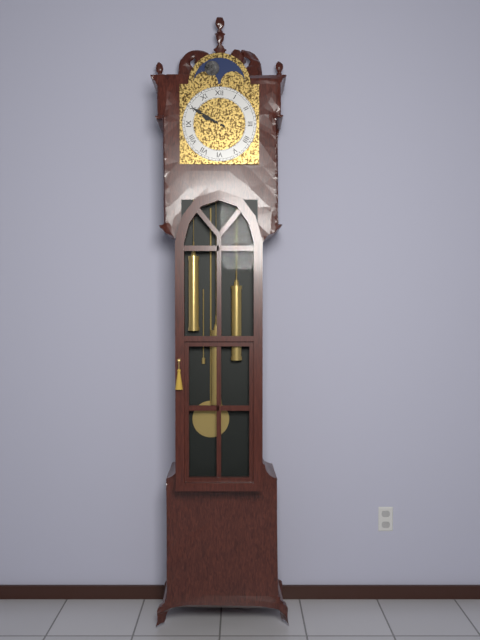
**9:50**
